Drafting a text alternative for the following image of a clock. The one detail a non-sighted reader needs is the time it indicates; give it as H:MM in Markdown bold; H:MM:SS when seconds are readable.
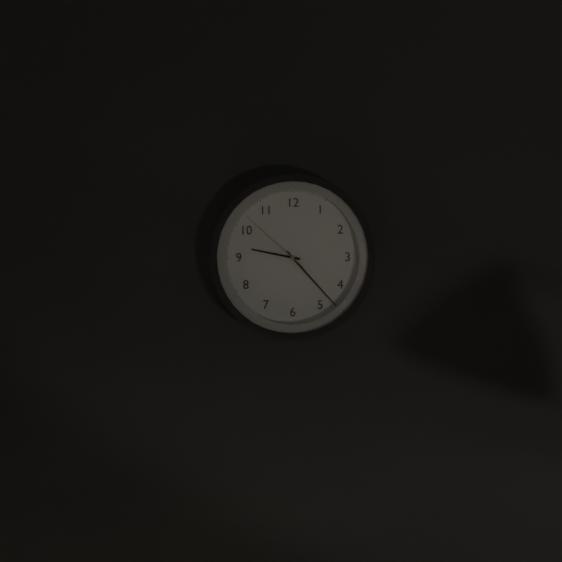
**9:23:52**
